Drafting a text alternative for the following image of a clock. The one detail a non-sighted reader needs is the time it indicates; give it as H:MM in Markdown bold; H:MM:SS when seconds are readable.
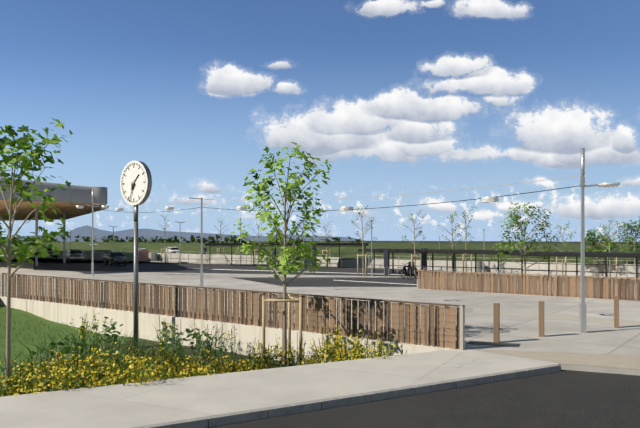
**1:33**
